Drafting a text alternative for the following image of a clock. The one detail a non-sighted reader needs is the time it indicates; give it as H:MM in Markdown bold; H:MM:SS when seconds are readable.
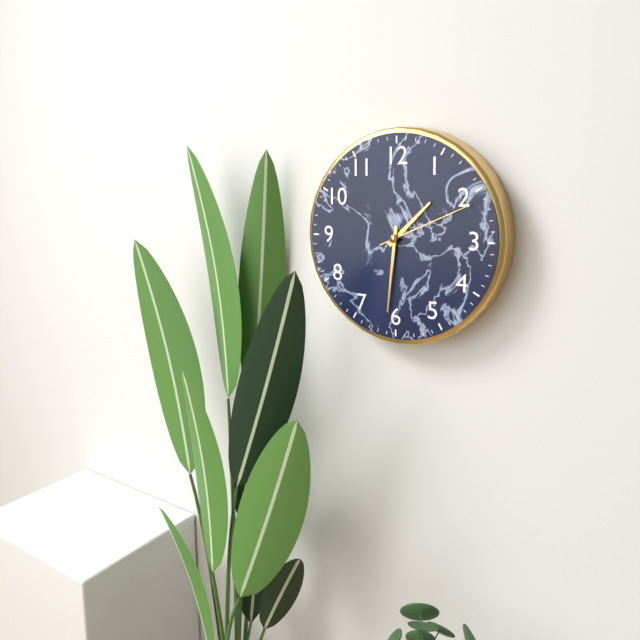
**1:31:11**
